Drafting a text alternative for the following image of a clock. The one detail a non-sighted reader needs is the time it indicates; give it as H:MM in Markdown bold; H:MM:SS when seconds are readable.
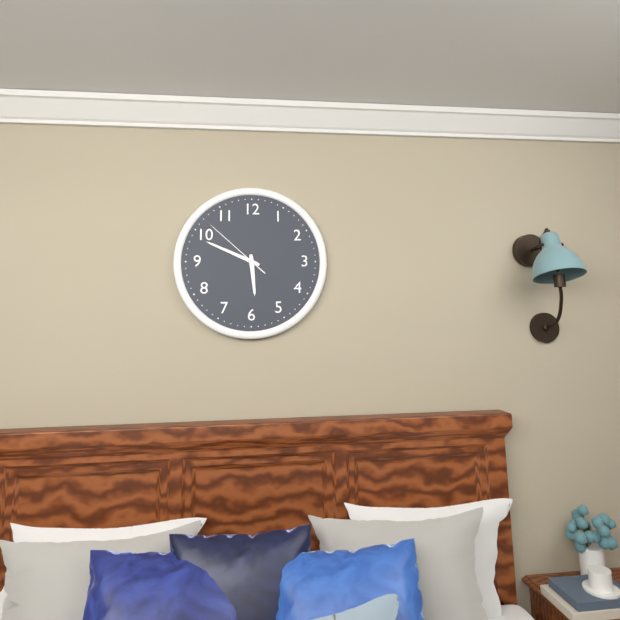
**5:49:52**
